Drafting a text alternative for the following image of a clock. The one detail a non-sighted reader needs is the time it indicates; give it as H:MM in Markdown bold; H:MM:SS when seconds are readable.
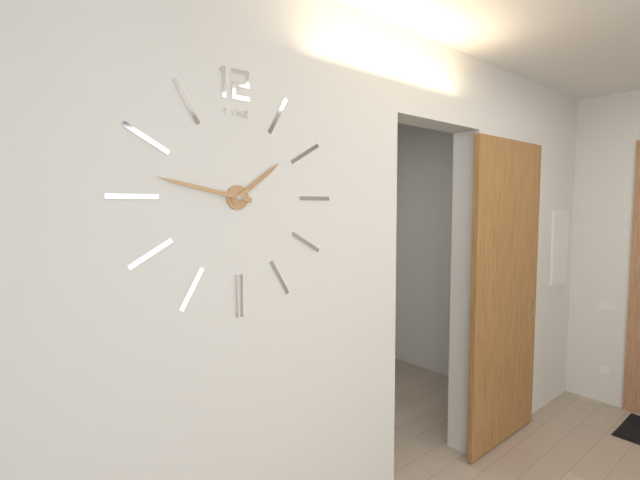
**1:47**
